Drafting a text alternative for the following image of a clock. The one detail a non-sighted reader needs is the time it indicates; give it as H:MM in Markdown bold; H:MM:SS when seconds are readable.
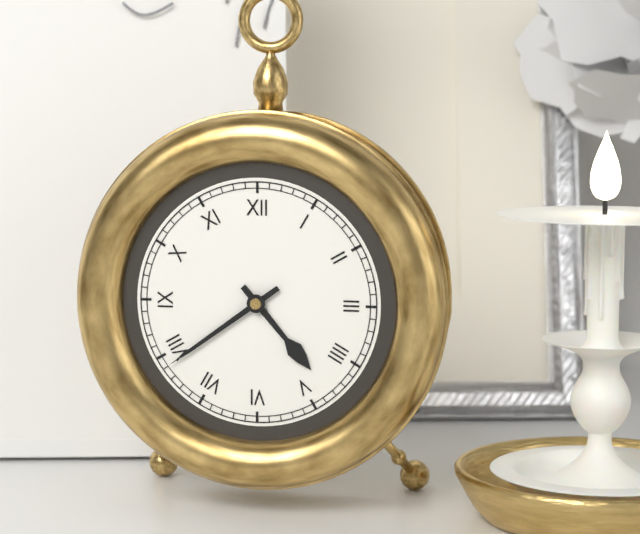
**4:39**
